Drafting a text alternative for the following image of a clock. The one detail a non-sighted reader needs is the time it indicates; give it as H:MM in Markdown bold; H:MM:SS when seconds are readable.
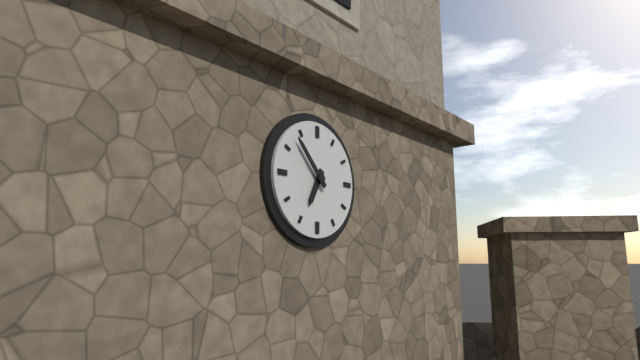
**6:53**
